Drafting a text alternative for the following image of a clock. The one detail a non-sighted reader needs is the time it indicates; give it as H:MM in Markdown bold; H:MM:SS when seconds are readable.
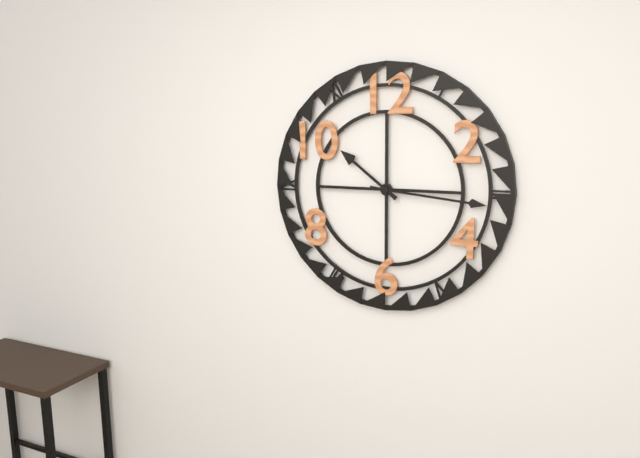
**10:16**
